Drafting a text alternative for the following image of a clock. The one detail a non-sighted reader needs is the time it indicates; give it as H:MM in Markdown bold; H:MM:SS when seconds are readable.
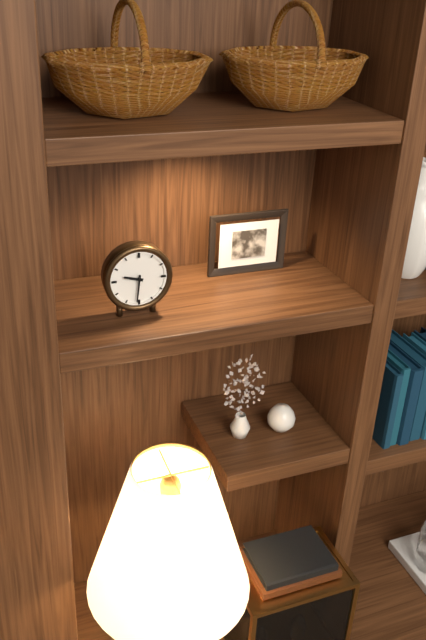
**9:31**
